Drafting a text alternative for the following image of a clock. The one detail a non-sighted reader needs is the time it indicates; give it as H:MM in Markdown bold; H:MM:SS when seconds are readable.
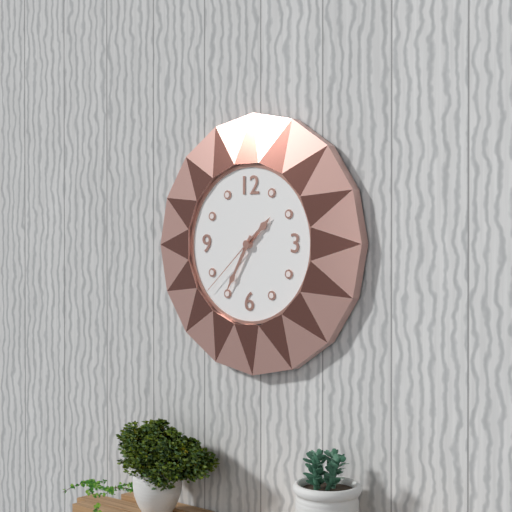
**1:35:38**
